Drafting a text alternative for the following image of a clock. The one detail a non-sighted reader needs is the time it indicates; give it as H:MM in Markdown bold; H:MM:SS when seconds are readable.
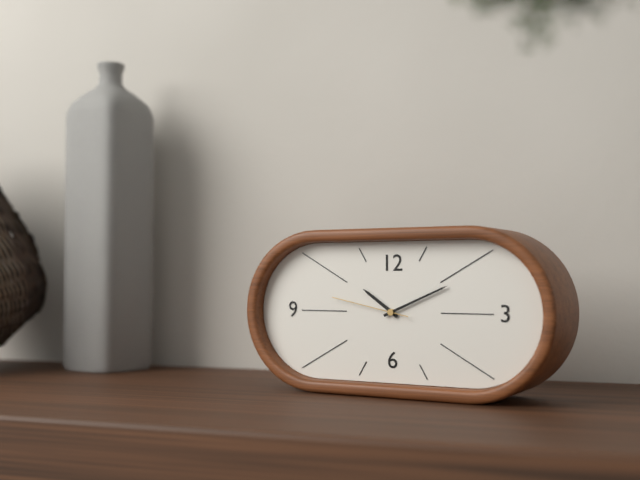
**10:11:47**
